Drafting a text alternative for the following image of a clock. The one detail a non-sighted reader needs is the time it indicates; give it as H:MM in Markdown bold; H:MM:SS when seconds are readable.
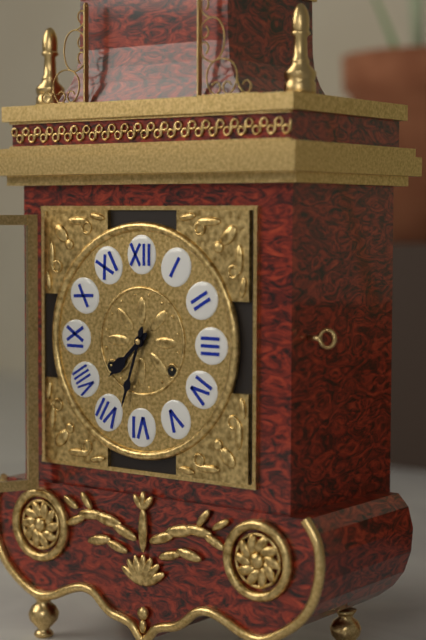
**7:33**
